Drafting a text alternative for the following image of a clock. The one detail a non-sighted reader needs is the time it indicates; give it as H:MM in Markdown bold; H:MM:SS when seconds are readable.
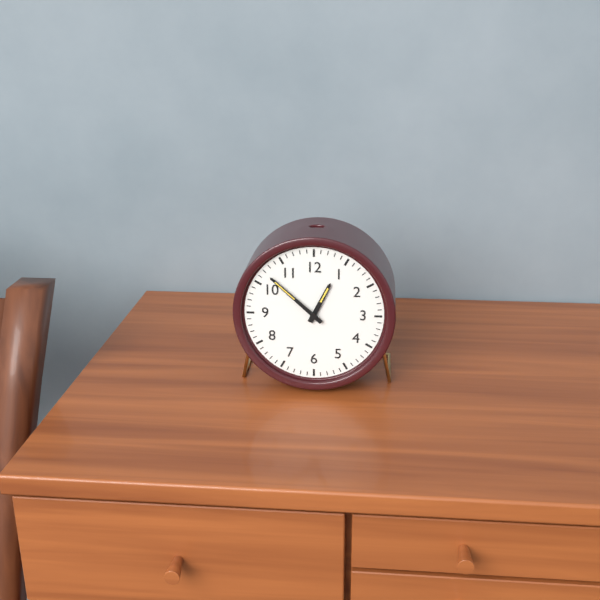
**12:52**
